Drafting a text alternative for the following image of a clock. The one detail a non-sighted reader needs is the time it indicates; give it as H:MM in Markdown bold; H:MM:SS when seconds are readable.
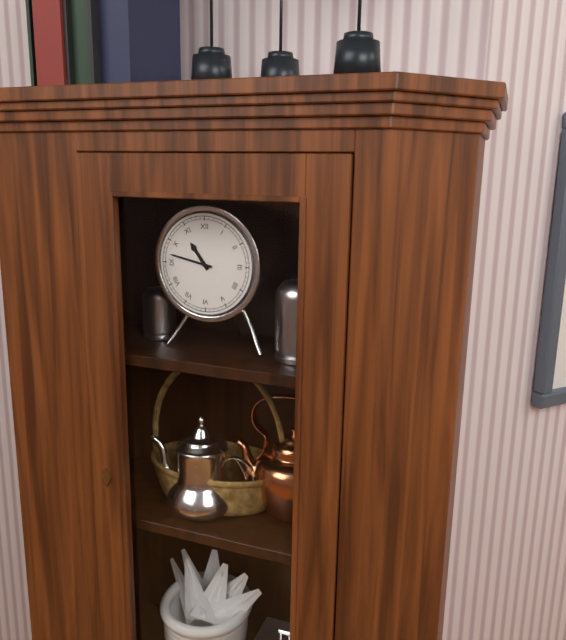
**10:47**
